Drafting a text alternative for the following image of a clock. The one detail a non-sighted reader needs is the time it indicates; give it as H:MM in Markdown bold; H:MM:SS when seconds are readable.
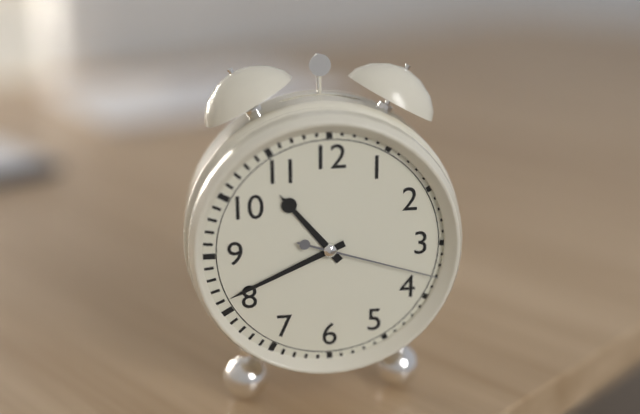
**10:41:18**
